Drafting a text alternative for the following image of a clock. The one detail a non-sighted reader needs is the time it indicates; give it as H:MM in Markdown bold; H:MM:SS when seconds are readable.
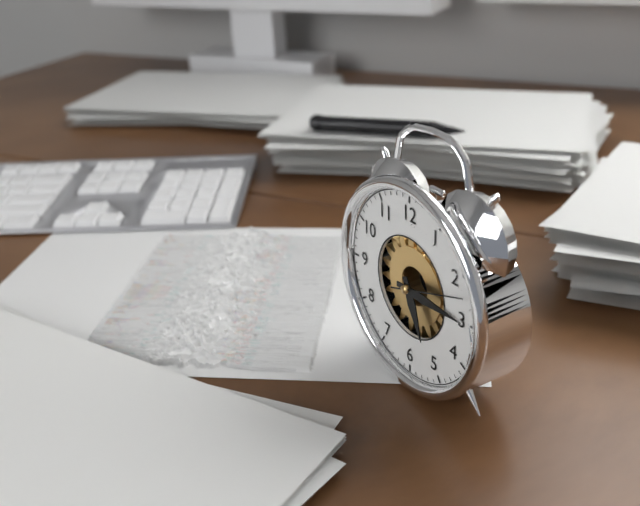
**5:15:12**
